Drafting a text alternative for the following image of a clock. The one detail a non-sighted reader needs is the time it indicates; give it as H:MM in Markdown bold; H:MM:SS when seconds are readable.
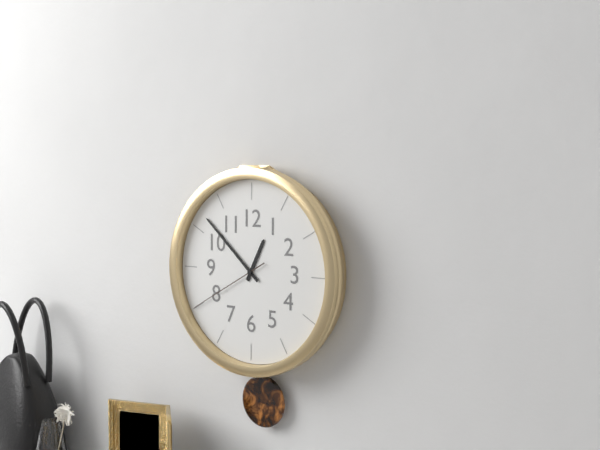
**12:52:40**
